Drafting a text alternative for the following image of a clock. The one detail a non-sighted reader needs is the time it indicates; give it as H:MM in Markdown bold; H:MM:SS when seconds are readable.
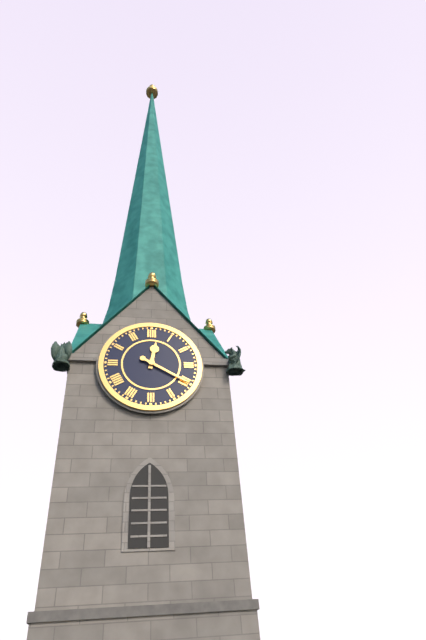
**12:20**
